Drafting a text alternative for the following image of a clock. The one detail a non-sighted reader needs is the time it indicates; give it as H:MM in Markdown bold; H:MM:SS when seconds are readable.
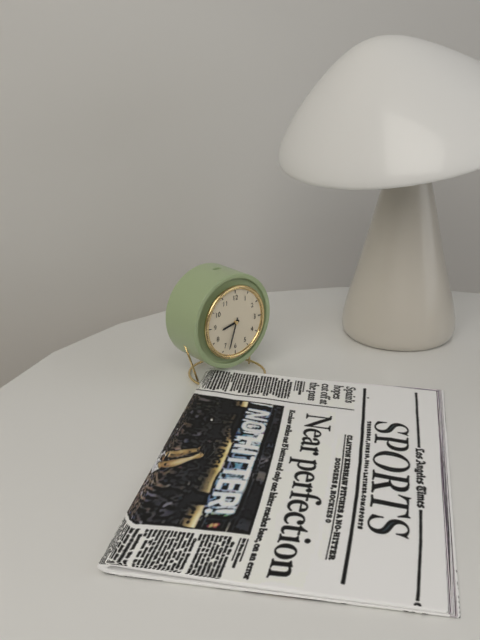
**8:33**
